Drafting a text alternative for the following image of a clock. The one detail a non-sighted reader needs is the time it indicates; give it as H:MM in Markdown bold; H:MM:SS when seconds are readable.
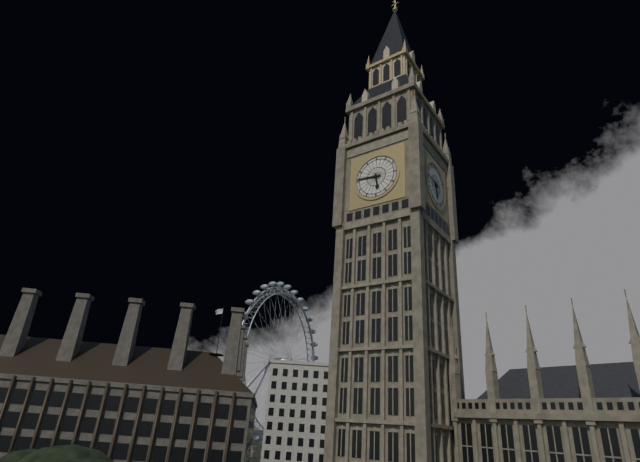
**5:46**
